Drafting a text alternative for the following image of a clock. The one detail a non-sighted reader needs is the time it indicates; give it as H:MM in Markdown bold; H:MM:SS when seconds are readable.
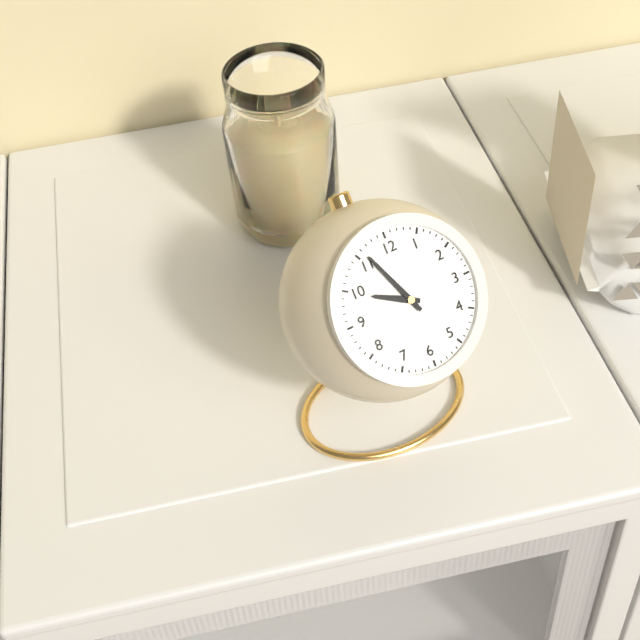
**9:56**
